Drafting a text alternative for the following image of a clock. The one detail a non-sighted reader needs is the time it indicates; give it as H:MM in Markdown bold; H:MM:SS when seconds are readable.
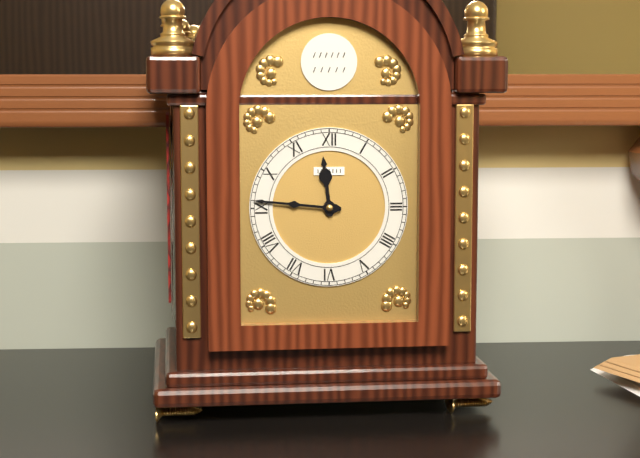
**11:46**
